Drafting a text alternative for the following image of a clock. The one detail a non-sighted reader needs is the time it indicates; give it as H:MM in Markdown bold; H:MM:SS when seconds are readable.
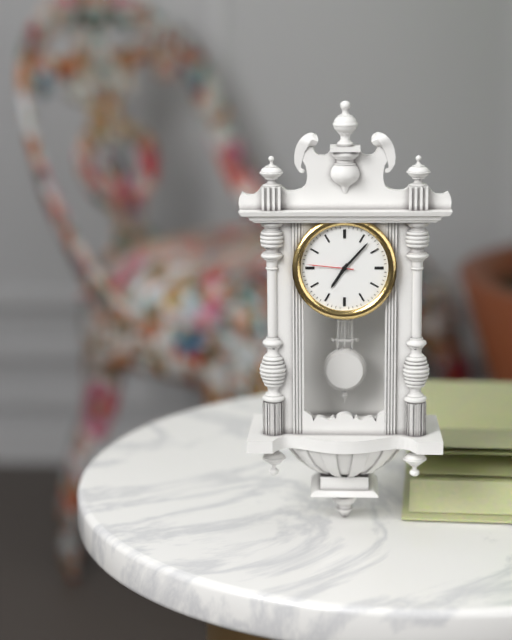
**7:07**
